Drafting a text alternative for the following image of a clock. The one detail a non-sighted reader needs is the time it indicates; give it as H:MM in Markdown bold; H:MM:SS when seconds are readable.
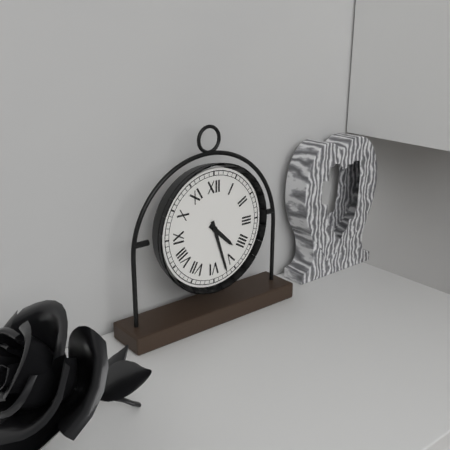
**4:27**
